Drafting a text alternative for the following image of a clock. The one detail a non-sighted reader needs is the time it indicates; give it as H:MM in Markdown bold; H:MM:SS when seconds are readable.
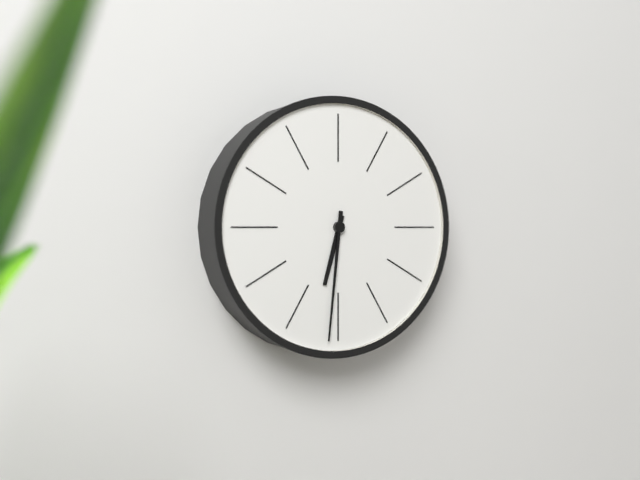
**6:31**
